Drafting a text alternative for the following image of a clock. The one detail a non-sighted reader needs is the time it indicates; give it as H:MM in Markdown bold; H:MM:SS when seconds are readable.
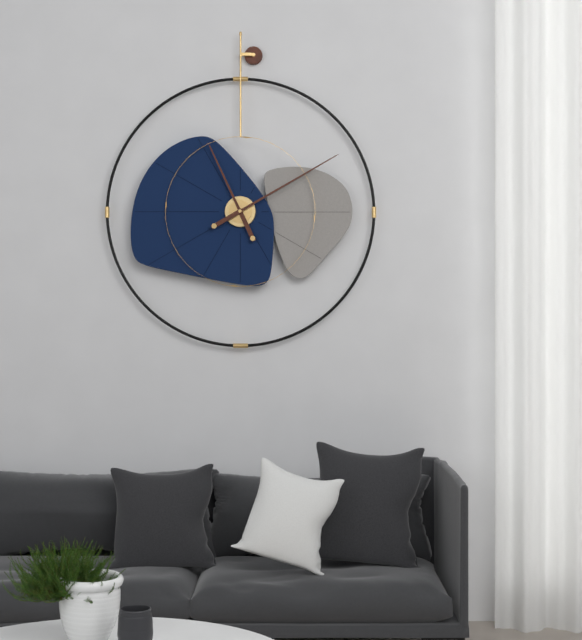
**11:10**
